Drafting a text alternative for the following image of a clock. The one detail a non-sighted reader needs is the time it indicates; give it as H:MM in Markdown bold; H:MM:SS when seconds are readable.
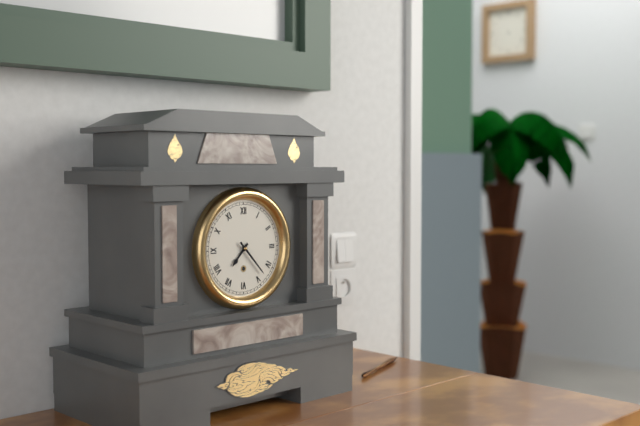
**7:23**
